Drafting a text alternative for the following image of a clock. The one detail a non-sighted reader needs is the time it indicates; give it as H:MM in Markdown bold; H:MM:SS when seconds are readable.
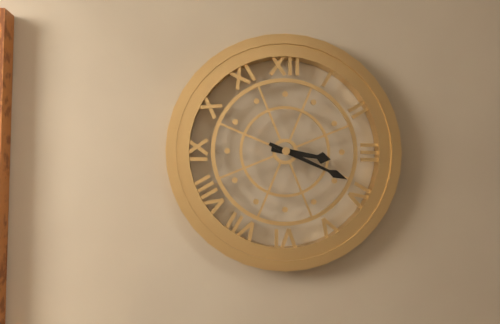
**3:19**
